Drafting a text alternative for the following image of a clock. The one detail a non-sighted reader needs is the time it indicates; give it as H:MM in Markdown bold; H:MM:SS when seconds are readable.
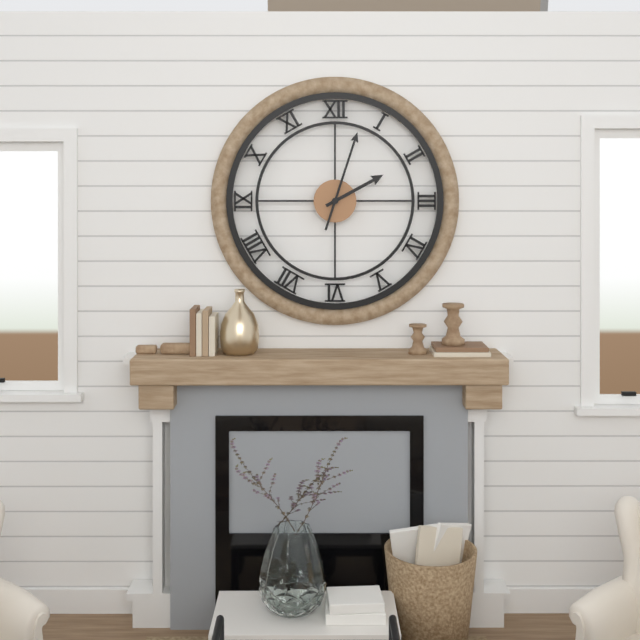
**2:03**
